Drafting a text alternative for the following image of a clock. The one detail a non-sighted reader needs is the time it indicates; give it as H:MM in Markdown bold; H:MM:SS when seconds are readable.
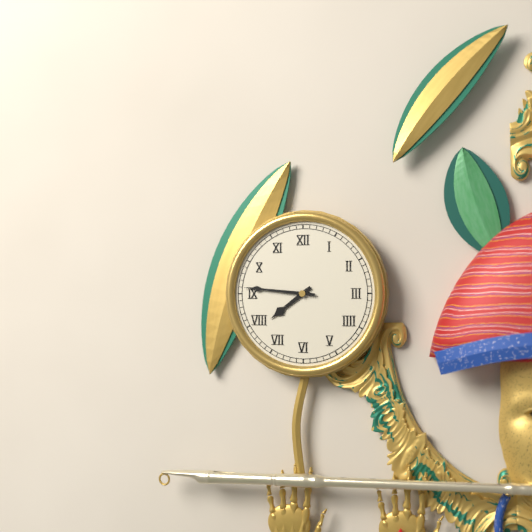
**7:46**
